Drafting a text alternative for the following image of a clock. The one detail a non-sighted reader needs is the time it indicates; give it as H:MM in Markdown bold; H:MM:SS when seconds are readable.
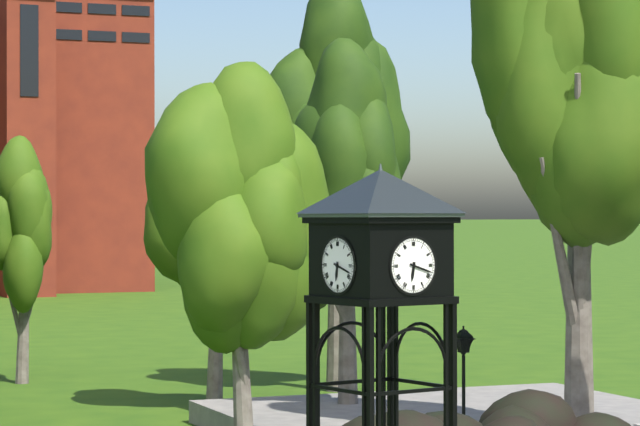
**6:18**
